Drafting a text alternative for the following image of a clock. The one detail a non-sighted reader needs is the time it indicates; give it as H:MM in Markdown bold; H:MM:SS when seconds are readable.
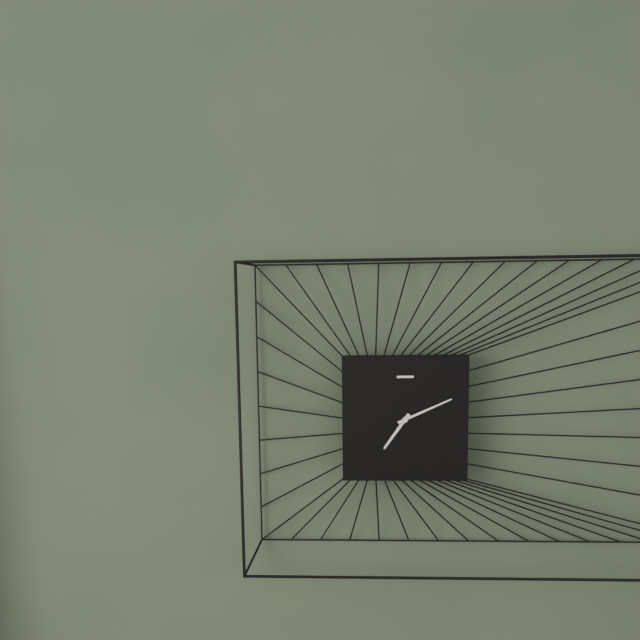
**7:11**
